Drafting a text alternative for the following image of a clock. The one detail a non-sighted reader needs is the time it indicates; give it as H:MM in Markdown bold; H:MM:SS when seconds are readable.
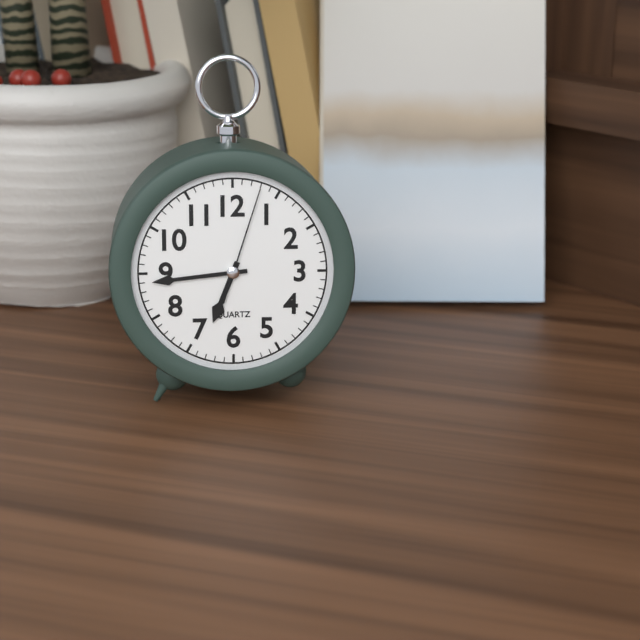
**6:44:03**
